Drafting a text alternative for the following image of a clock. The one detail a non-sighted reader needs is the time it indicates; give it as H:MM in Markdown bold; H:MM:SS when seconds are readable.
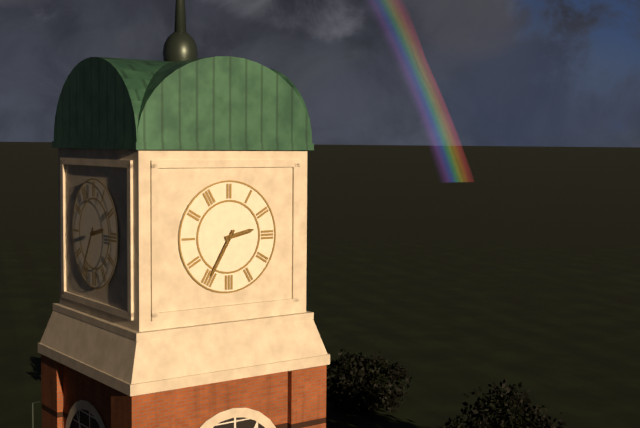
**2:35**
